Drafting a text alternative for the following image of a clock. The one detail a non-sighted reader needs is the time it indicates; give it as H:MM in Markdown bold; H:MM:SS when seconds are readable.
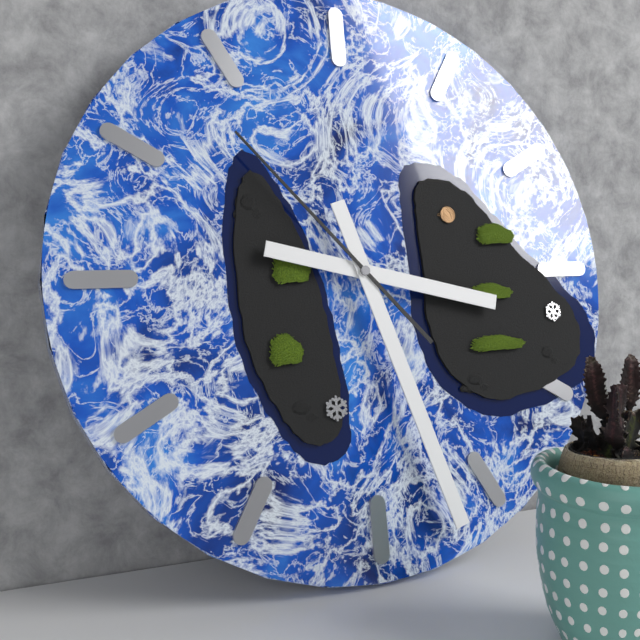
**3:27:53**
